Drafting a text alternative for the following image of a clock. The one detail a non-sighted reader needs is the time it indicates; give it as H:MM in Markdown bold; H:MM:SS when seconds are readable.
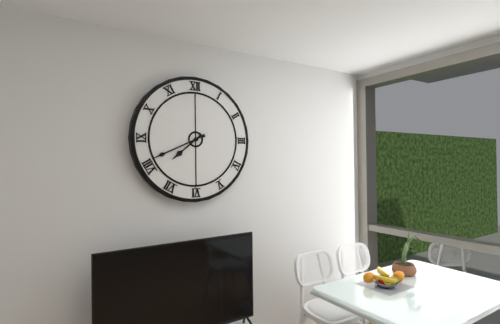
**7:41**
